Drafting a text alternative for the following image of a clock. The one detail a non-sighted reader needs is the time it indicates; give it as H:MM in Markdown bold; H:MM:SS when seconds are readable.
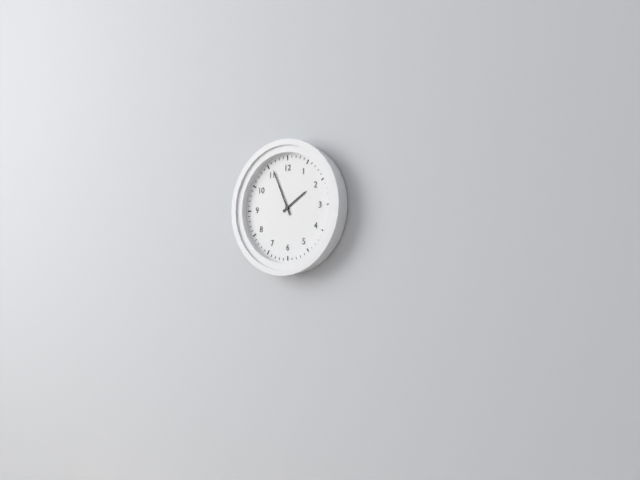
**1:56**
